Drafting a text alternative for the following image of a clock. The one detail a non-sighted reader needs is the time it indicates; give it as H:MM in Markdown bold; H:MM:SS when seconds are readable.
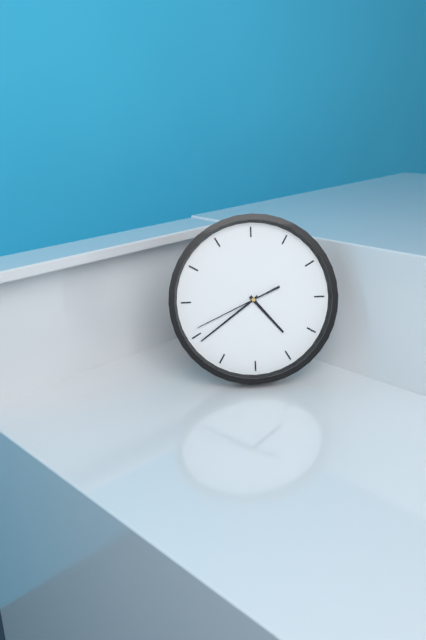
**4:39:41**
